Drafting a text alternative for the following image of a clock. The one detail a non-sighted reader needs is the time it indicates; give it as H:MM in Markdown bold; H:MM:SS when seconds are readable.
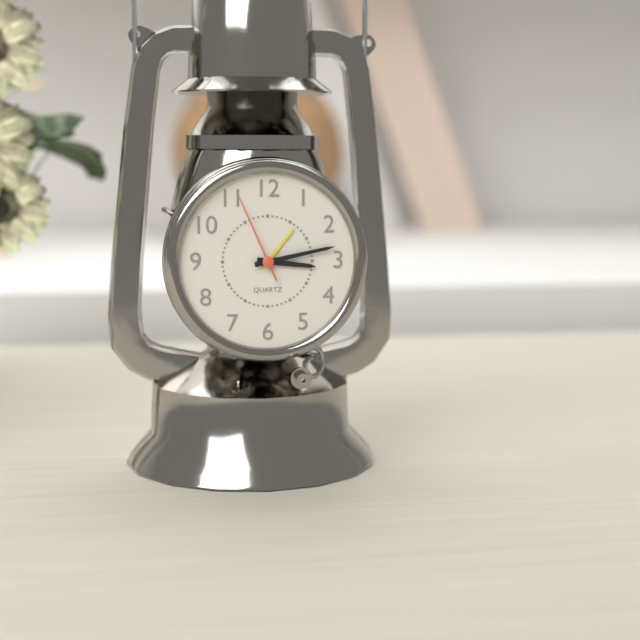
**3:13:56**
